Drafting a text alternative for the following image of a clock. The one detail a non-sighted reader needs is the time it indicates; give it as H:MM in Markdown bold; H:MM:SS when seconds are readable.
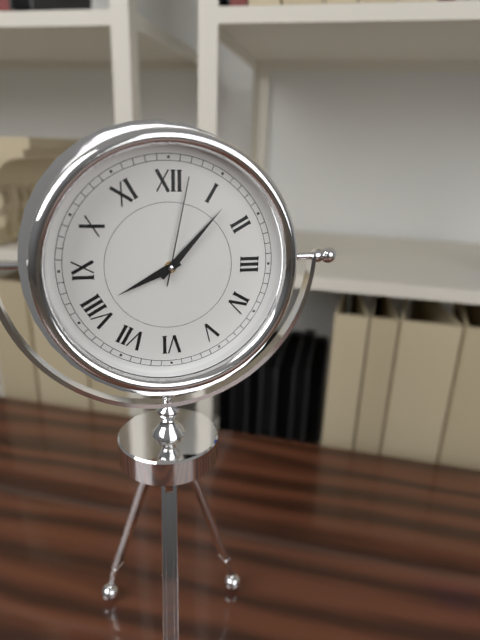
**8:07:02**
